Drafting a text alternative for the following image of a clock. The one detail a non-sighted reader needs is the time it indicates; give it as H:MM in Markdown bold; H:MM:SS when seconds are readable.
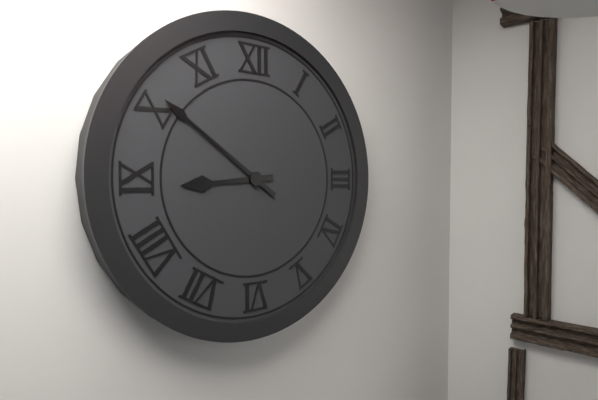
**8:51**
